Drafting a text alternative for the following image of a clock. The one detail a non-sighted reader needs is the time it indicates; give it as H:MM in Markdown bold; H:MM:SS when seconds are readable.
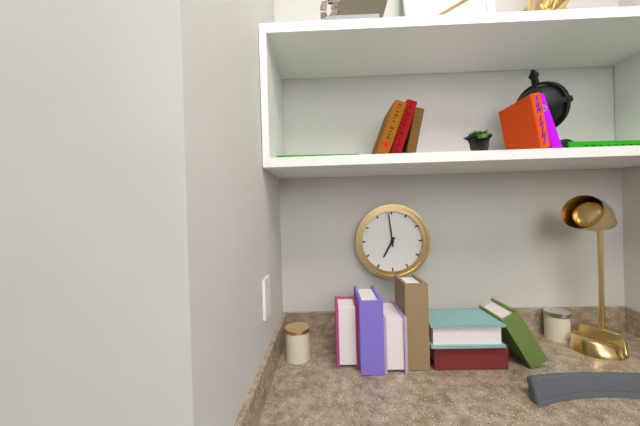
**6:59**
